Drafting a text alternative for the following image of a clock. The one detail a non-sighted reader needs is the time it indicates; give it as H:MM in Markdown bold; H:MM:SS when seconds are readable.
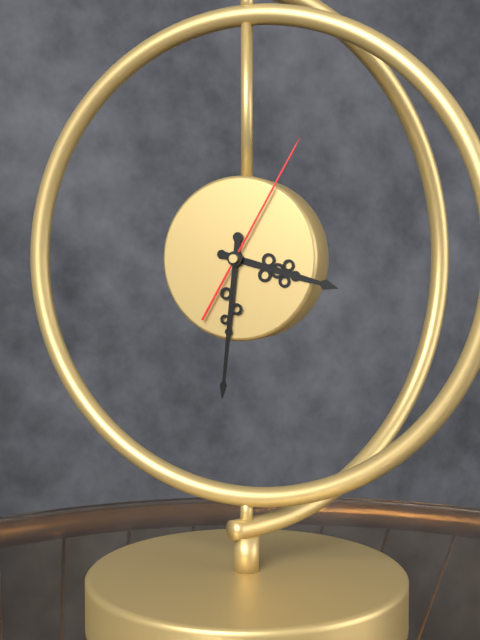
**3:31:05**
